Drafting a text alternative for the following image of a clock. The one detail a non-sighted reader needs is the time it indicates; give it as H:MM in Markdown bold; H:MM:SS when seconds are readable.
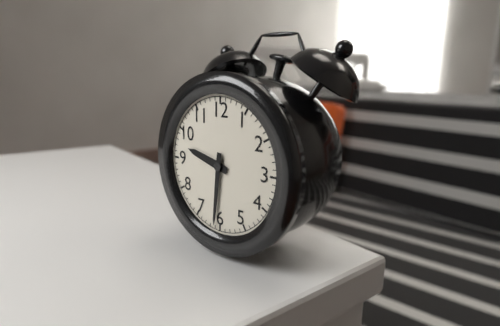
**9:31**
